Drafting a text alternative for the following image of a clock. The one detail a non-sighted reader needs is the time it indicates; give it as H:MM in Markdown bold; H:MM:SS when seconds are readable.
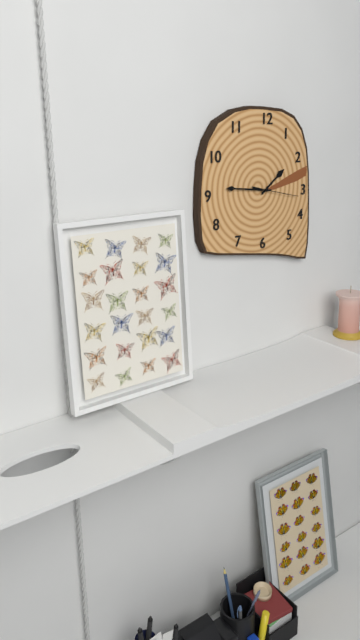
**1:46:17**
